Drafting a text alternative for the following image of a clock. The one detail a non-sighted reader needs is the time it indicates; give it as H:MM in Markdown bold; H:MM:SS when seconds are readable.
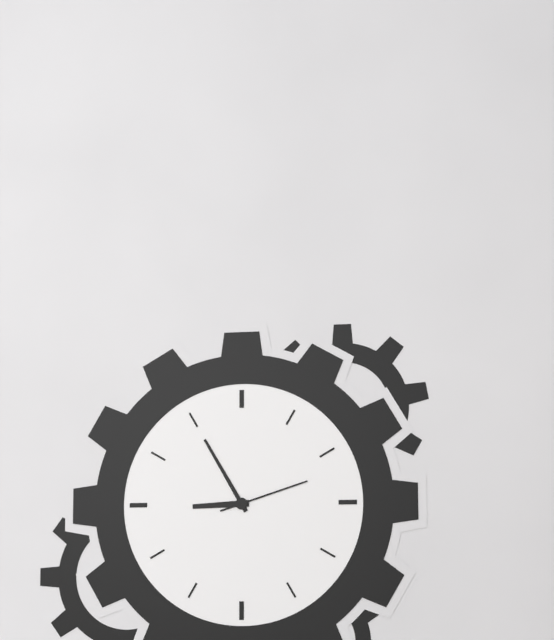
**8:55:12**
